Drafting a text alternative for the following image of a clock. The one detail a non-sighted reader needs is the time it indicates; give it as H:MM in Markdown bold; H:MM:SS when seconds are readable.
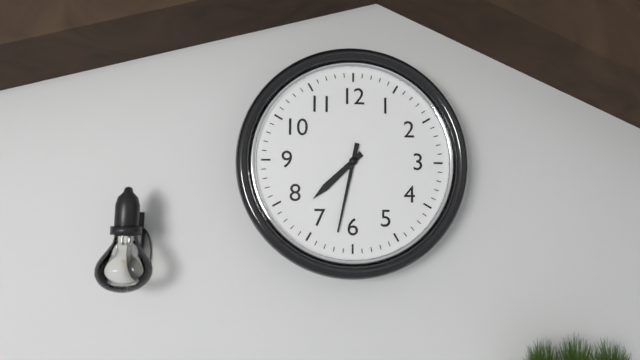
**7:32**
